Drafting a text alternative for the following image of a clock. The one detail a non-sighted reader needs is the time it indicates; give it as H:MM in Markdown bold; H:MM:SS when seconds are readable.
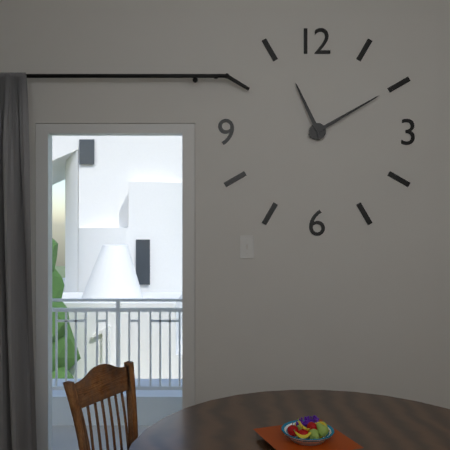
**11:10**
